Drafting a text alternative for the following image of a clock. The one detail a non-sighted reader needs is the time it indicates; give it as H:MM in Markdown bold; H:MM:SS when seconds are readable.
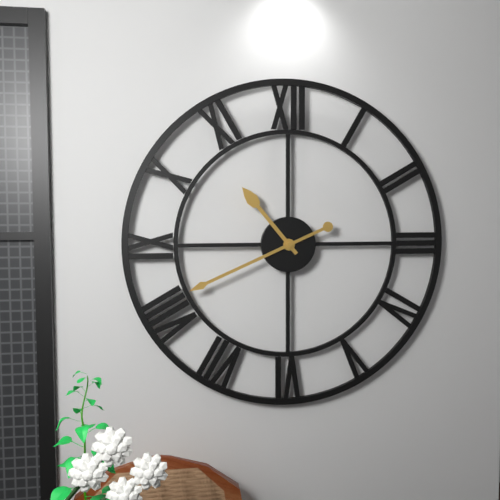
**10:41**
